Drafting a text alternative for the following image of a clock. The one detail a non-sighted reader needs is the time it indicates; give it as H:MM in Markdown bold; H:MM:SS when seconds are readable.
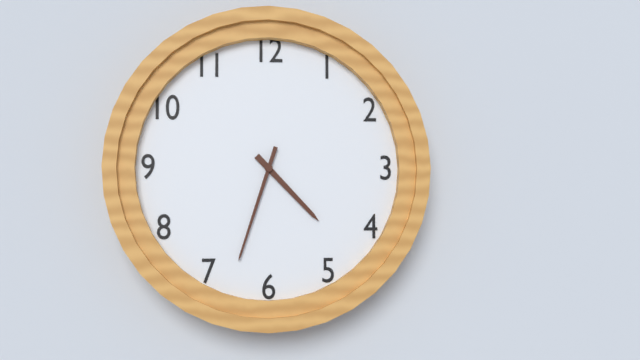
**4:33**
